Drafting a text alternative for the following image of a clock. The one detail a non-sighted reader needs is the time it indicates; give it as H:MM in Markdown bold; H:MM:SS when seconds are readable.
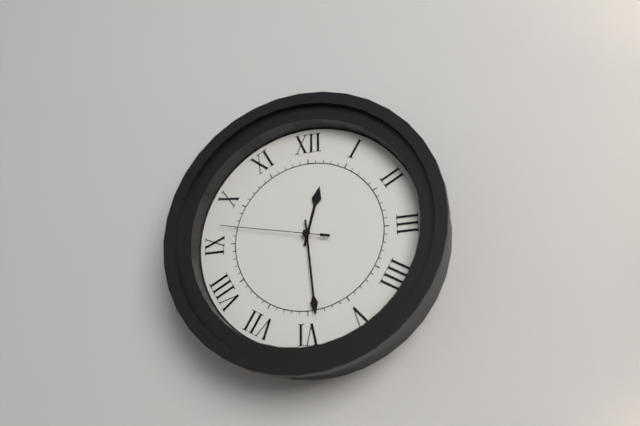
**12:29:47**
